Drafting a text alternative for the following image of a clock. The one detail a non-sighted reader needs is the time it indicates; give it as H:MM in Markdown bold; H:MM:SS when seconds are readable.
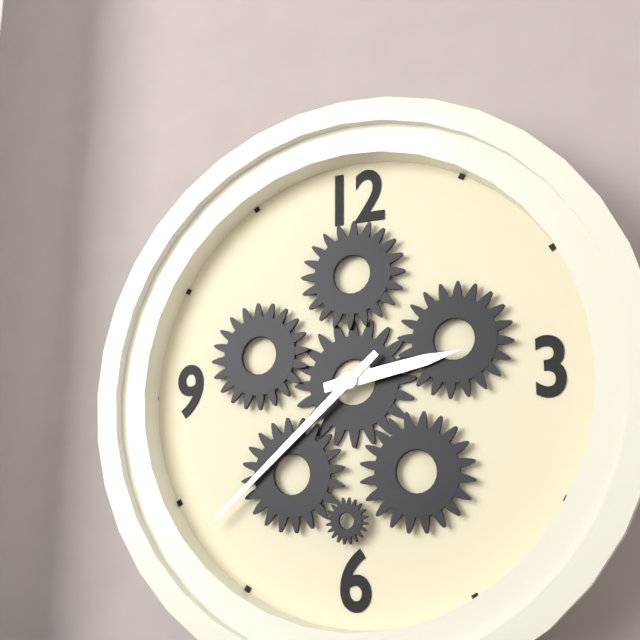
**2:38**
